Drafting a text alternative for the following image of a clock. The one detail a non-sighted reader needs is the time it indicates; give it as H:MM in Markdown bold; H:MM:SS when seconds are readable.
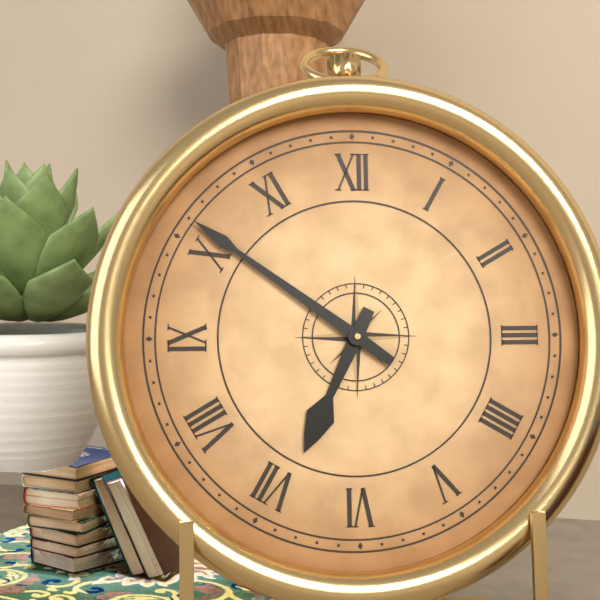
**6:51**
